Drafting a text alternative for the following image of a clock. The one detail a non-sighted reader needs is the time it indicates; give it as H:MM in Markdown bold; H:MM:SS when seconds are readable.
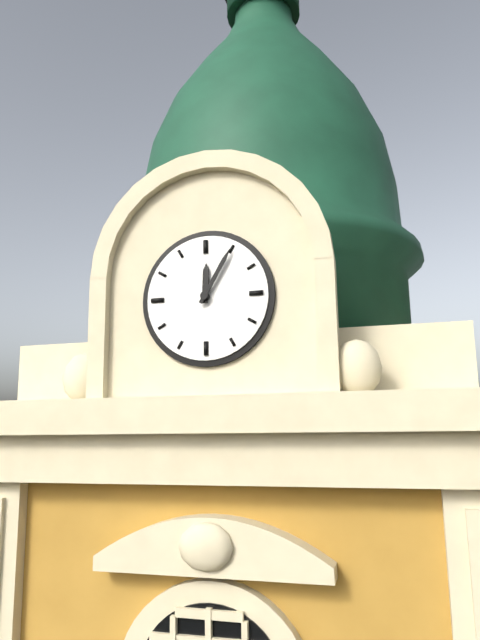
**12:05**
